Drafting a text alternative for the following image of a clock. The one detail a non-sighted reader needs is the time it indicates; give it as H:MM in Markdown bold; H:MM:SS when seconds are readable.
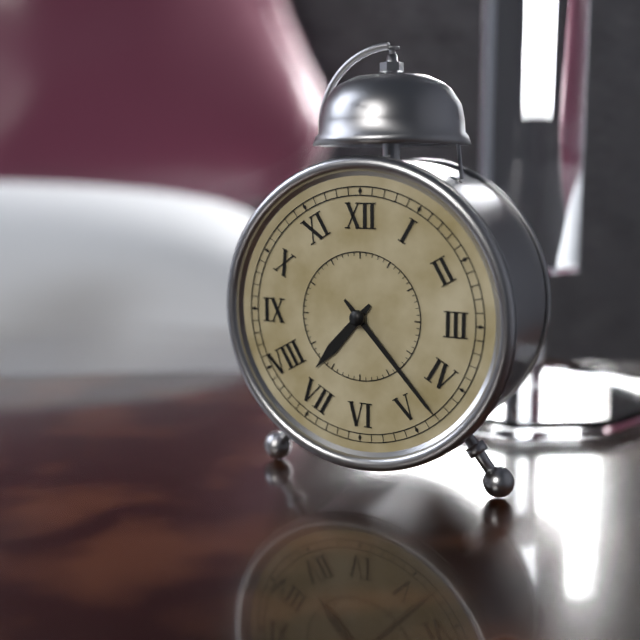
**7:23**
